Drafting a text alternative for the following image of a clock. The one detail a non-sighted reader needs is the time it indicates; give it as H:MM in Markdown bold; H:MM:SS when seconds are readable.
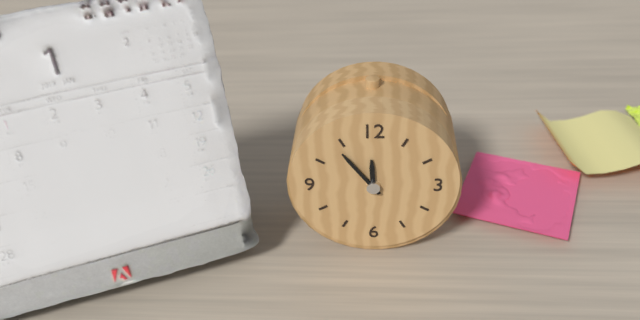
**11:54**
